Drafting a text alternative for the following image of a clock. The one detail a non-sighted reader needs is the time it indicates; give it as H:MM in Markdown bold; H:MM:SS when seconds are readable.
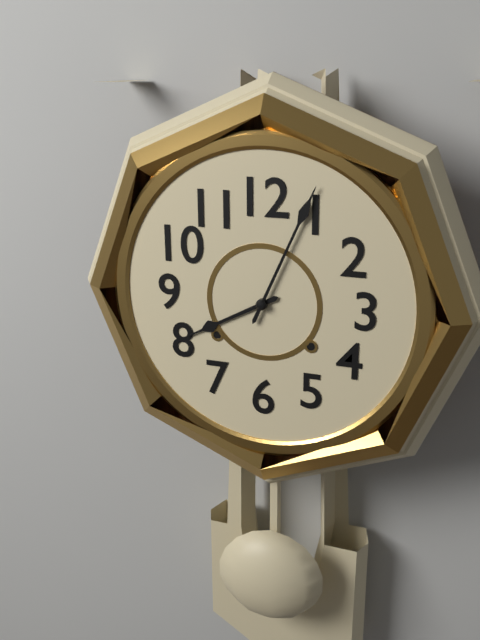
**8:04**
